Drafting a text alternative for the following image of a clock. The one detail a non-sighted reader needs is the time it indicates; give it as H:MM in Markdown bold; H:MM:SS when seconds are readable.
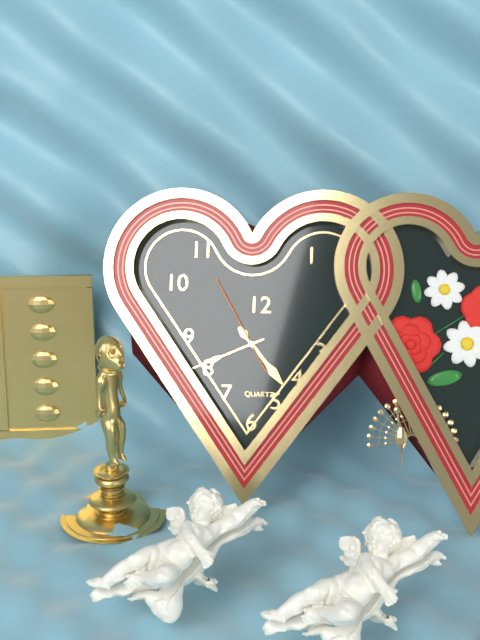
**4:41:55**
